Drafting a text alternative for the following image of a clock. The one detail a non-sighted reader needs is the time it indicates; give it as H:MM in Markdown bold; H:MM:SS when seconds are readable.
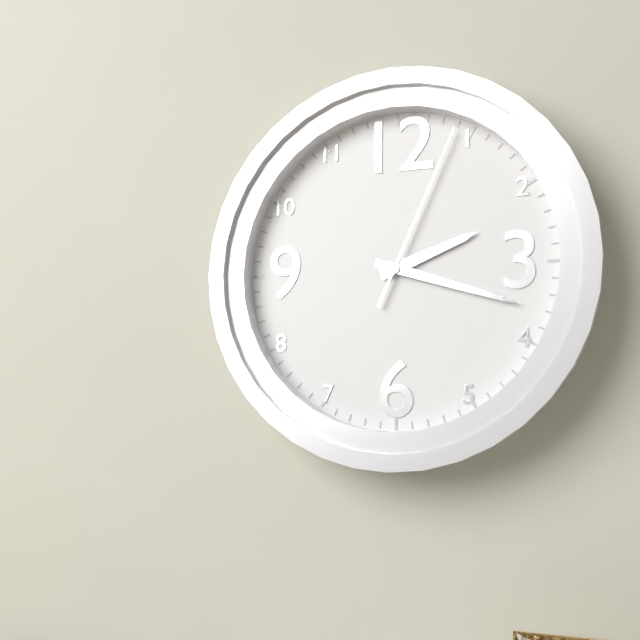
**2:18:04**
